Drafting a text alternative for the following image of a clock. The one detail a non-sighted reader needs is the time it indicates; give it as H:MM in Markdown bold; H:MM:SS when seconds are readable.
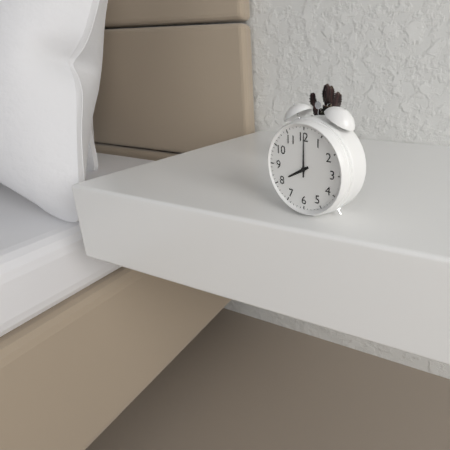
**8:00**
